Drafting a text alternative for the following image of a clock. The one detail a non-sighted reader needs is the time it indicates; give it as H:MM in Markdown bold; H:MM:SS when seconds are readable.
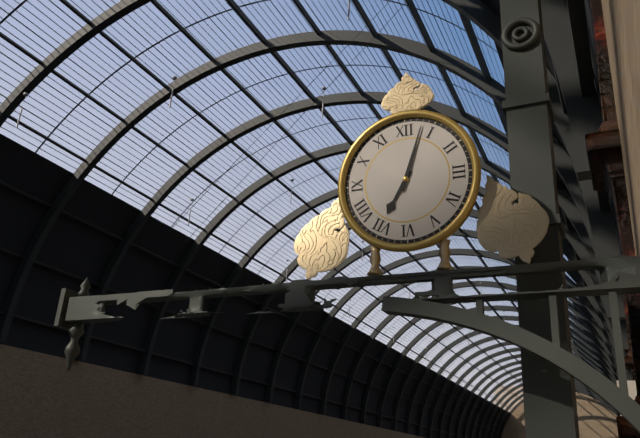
**7:03**
